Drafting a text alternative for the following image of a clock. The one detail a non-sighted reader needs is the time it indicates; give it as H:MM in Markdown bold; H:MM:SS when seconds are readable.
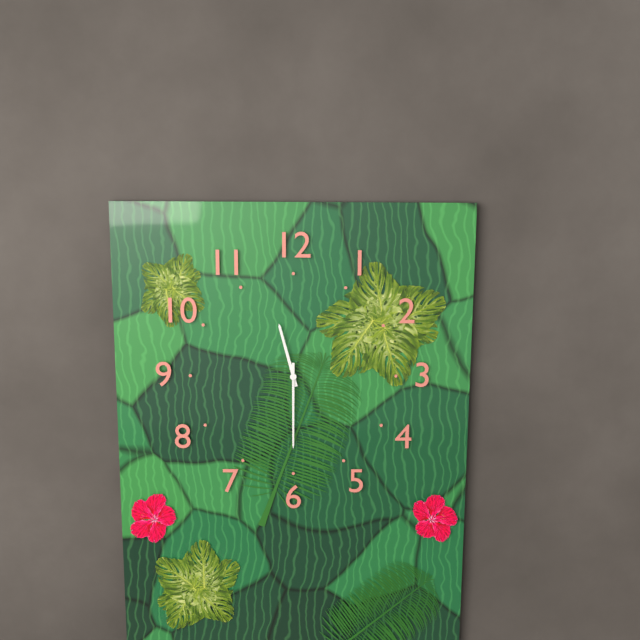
**11:30**
